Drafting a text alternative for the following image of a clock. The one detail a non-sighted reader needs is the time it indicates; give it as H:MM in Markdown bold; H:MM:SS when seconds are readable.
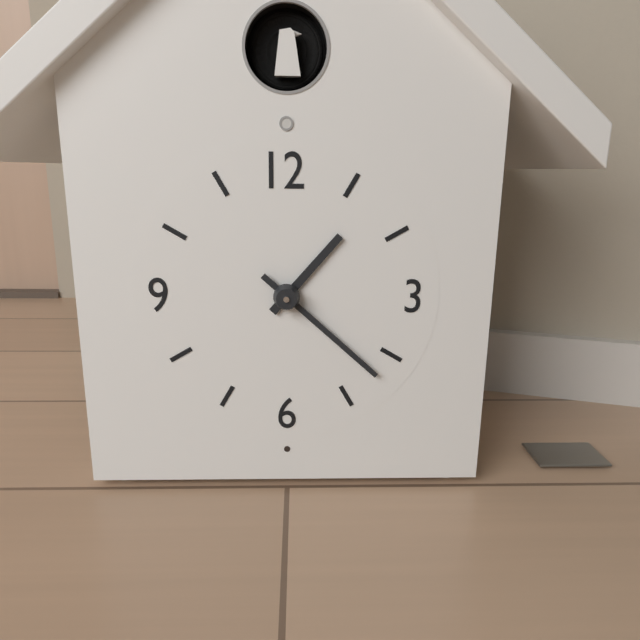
**1:22**
